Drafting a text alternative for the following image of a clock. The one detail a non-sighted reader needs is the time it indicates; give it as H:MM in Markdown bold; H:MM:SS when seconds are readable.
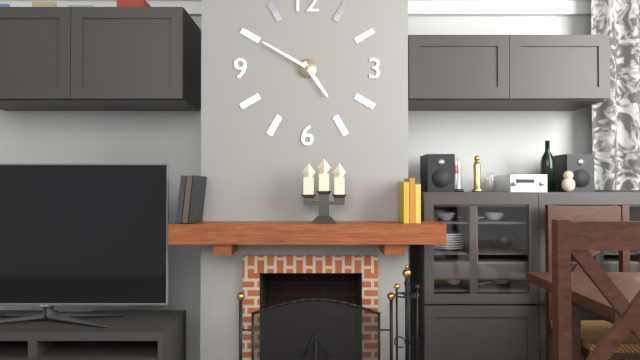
**4:50**
